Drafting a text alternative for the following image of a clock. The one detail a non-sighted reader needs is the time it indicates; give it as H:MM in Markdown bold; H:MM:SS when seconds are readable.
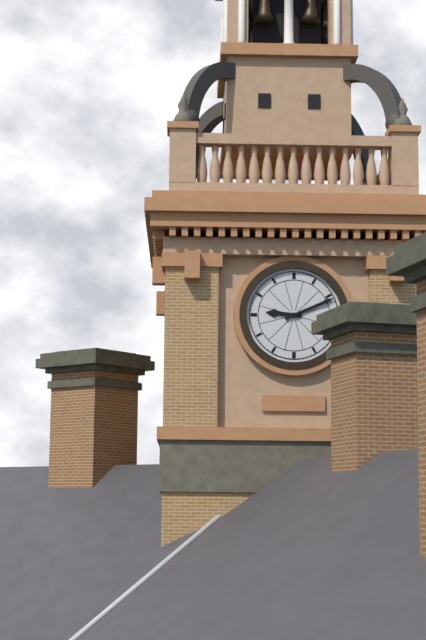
**9:11**
